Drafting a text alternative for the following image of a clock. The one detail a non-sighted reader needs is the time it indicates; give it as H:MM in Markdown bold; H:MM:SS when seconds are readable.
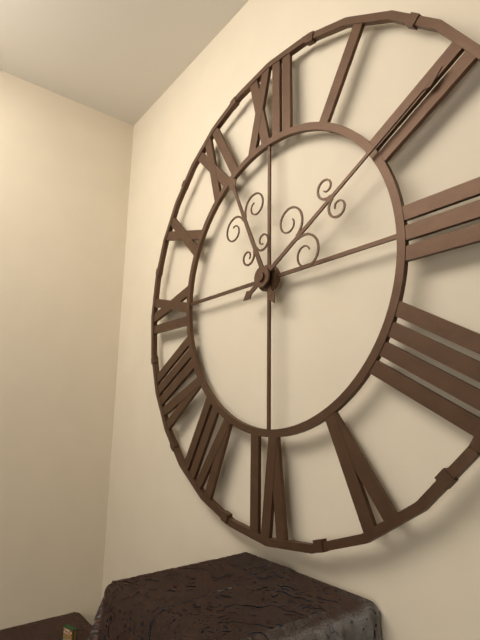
**11:10**
